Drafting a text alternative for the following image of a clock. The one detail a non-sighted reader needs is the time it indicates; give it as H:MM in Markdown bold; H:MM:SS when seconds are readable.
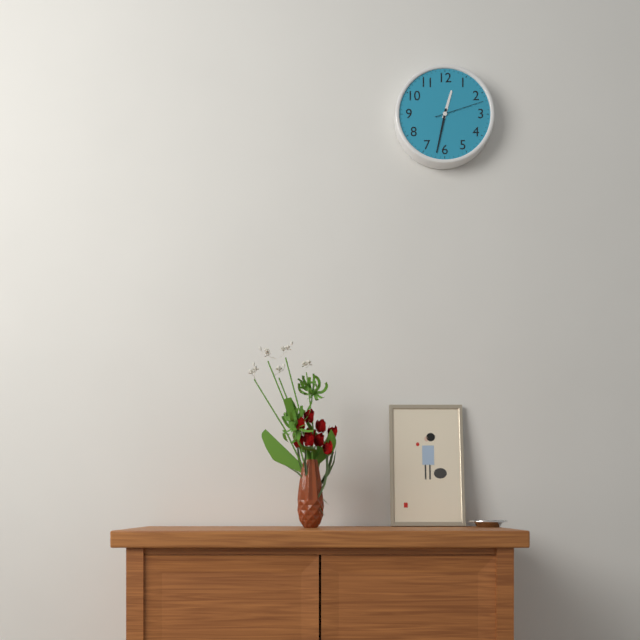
**12:32:12**
